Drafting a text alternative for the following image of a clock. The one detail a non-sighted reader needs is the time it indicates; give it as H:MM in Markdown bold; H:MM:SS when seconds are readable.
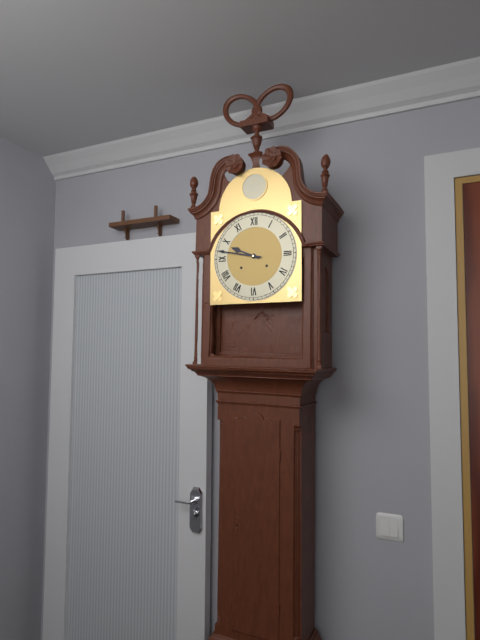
**9:47**
